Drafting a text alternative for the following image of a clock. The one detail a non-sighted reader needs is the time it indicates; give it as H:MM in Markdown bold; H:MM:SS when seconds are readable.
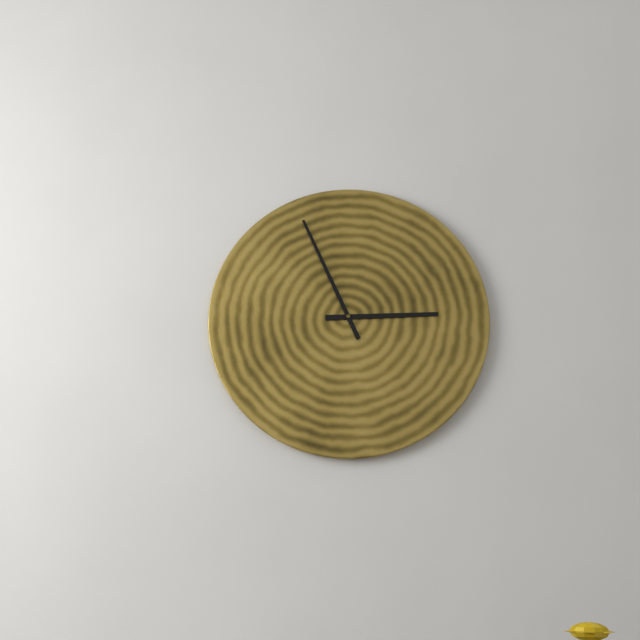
**2:56**
